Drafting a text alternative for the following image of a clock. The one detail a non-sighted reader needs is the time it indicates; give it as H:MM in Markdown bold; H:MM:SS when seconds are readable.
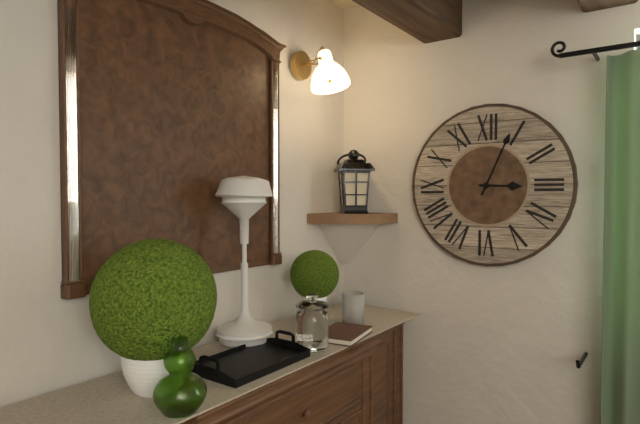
**3:04**
